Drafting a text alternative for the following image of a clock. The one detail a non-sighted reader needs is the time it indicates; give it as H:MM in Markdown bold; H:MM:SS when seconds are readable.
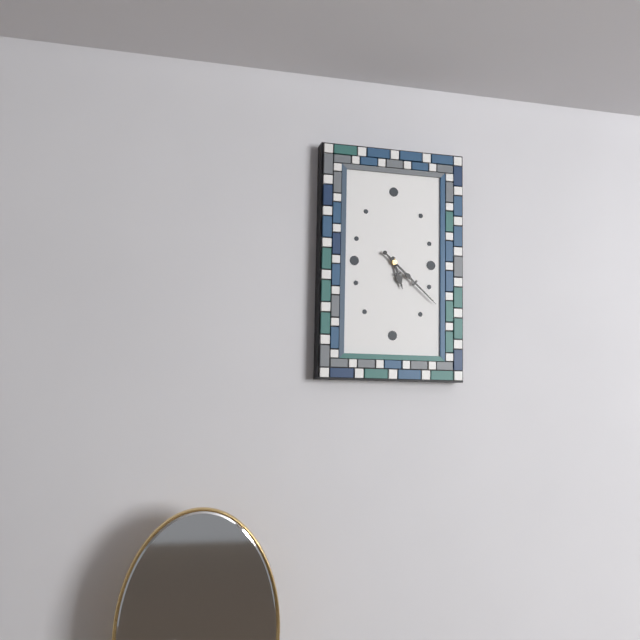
**5:22**
